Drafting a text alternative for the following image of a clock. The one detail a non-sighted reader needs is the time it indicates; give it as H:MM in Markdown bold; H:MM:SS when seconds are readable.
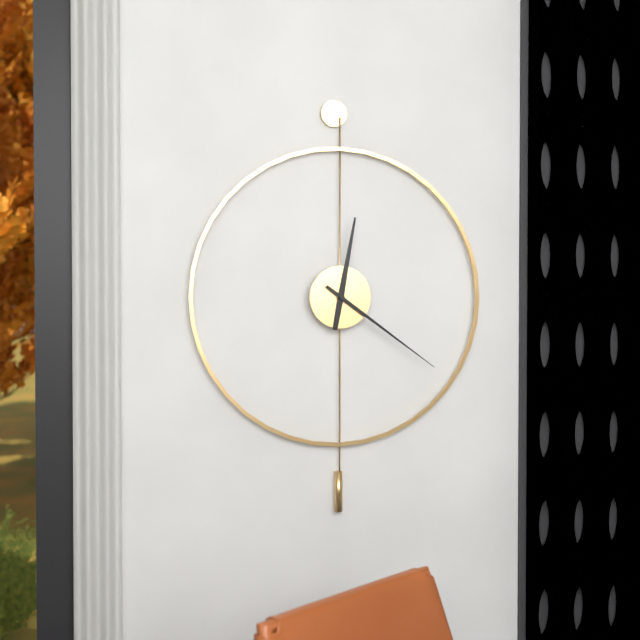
**12:21**
